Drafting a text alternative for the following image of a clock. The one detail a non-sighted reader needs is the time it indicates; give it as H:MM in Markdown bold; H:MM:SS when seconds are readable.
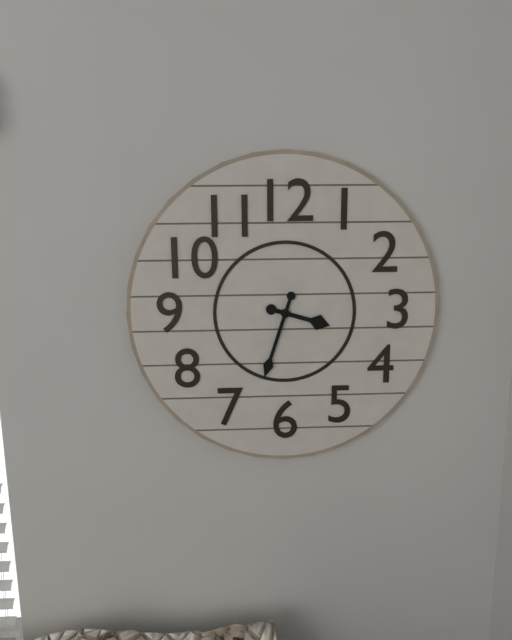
**3:33**
